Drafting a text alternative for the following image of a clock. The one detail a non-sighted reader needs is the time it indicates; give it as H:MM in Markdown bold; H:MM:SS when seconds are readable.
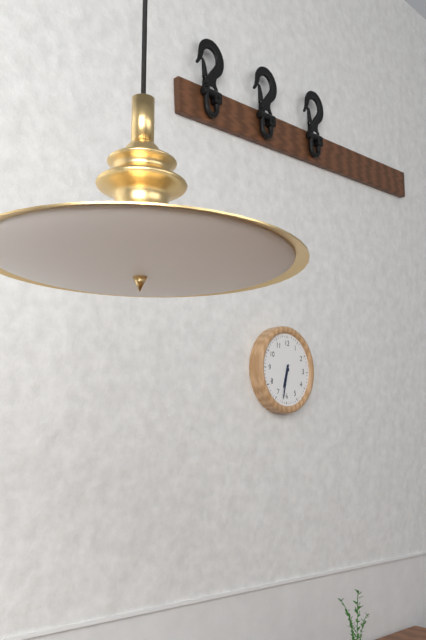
**6:32**
